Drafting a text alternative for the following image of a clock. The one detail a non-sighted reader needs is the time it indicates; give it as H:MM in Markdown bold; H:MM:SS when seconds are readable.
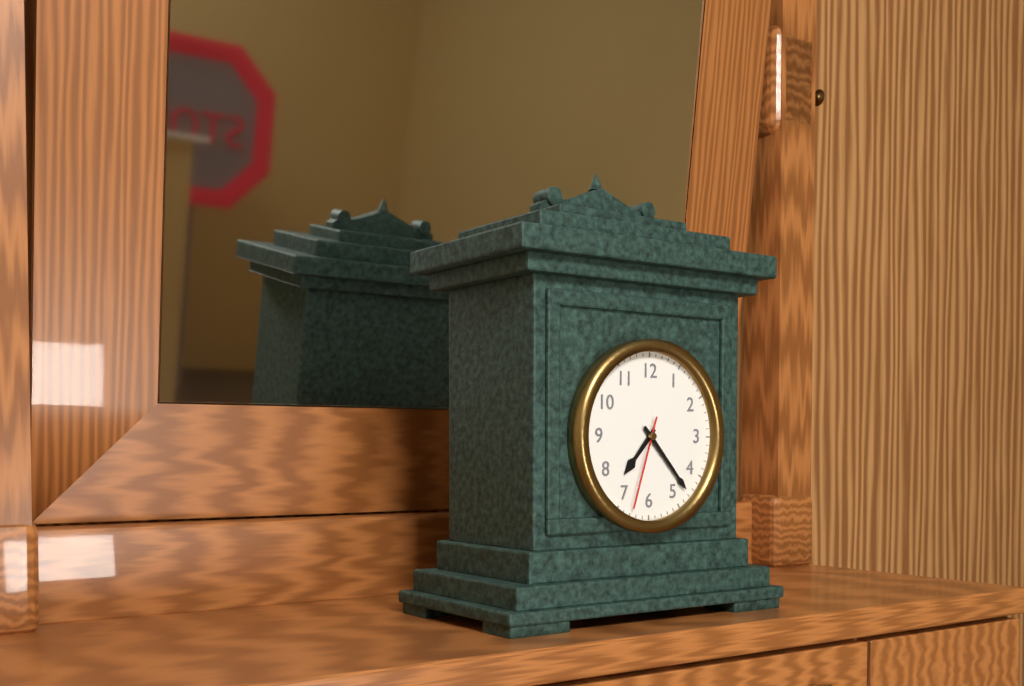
**7:23:33**
